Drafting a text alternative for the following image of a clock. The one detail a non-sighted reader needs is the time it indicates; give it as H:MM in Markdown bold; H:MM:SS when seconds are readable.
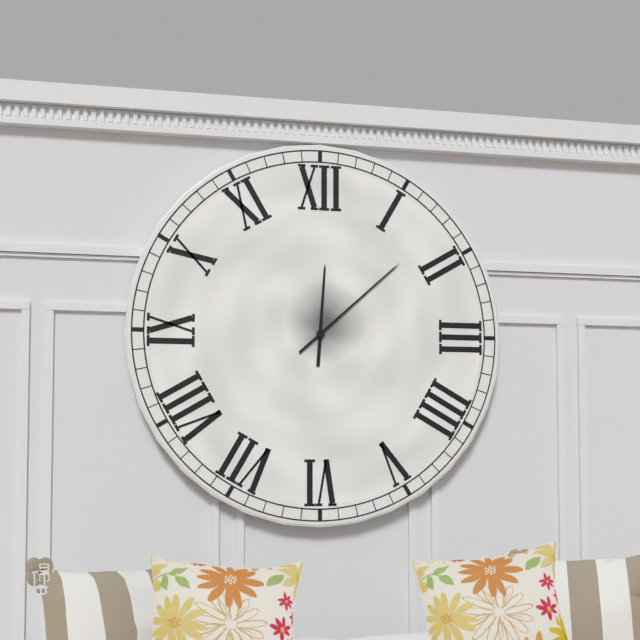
**12:08**
